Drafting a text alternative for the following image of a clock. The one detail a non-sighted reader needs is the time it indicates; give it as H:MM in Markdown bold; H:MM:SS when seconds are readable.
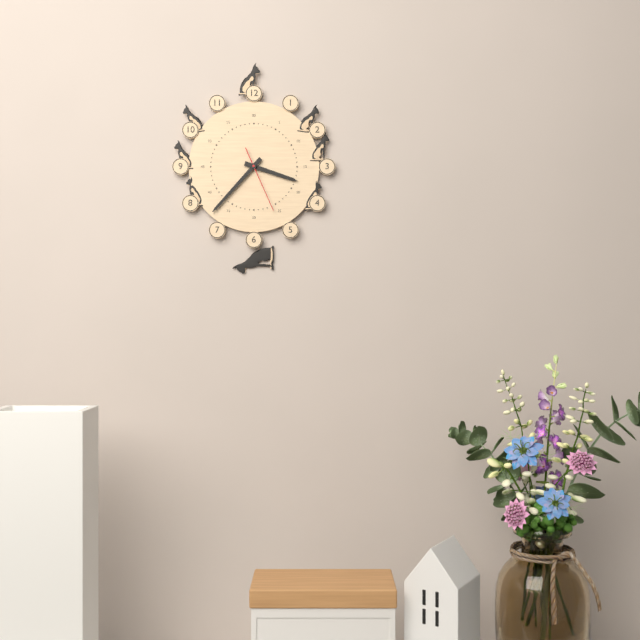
**3:37:26**
